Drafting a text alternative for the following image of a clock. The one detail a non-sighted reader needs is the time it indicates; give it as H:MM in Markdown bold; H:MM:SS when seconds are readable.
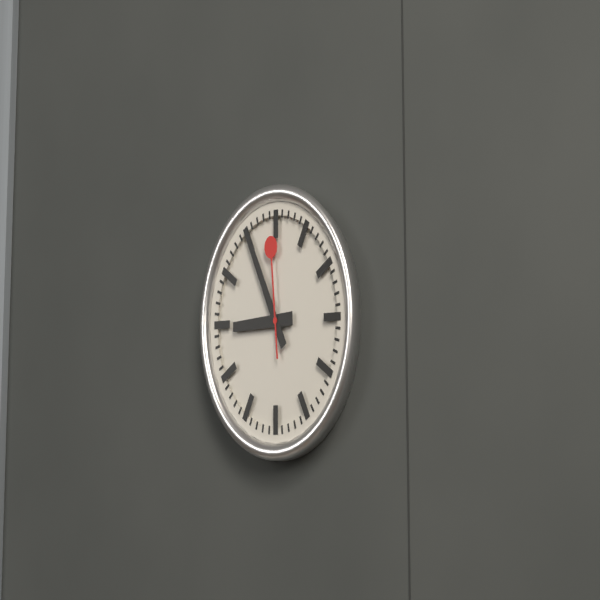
**8:55:59**
